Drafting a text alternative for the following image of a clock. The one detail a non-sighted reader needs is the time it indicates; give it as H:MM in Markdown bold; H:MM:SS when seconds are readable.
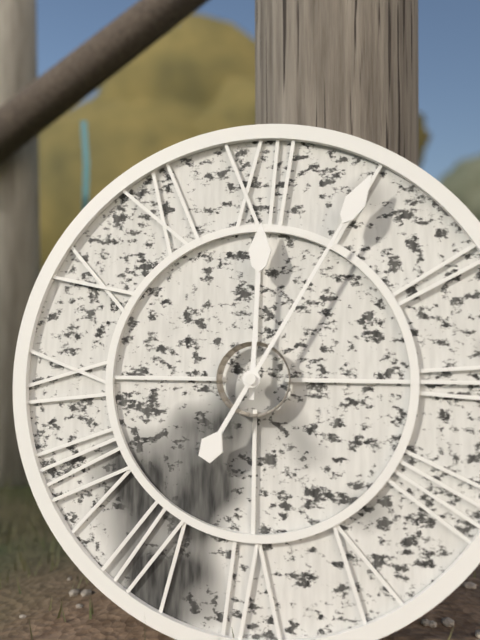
**12:05**
